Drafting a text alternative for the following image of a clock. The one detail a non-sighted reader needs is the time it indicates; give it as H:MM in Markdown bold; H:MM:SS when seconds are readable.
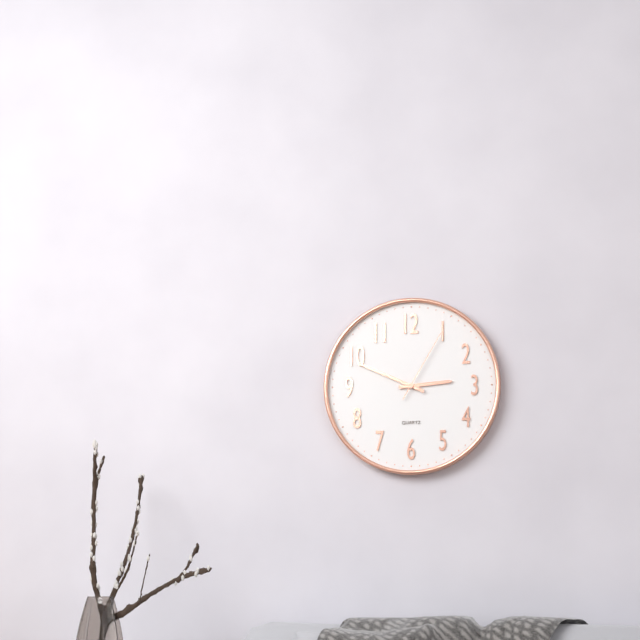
**2:49:05**
